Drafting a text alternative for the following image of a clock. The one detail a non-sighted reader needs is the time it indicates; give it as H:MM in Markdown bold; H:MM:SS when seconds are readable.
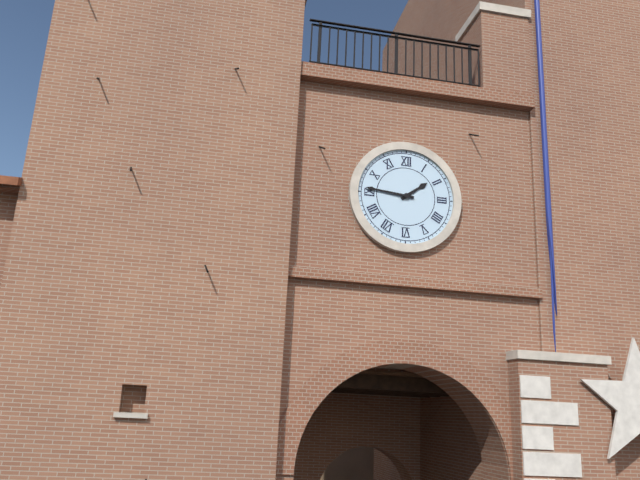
**1:46**
